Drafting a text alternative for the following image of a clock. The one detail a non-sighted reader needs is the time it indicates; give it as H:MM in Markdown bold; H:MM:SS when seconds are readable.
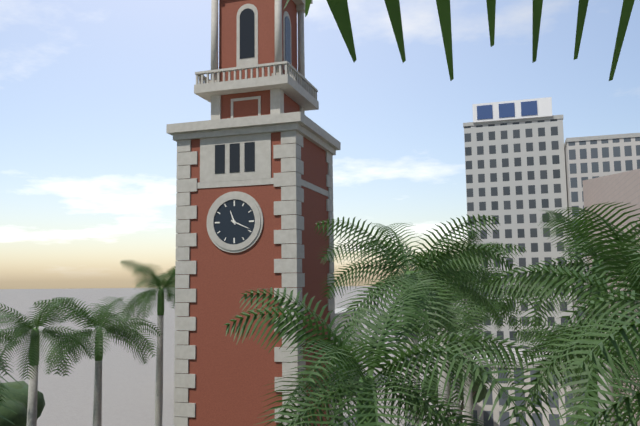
**11:19**
